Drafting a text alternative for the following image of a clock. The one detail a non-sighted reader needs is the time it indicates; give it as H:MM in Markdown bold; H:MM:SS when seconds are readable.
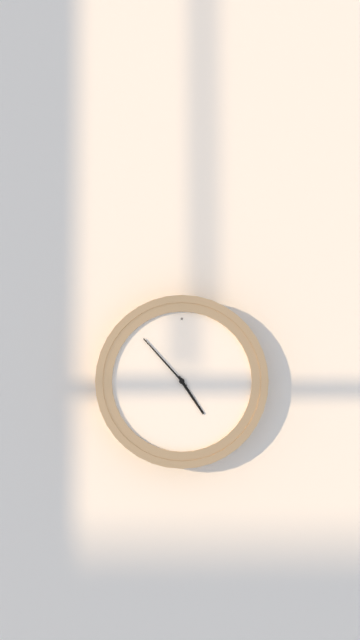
**4:53**
